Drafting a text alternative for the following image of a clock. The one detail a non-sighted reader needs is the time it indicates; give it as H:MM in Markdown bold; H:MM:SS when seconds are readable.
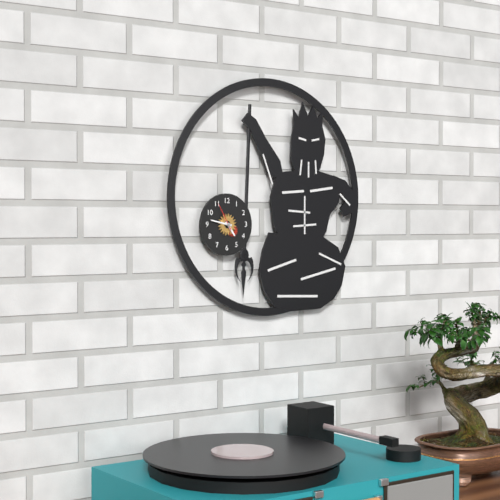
**4:47**
